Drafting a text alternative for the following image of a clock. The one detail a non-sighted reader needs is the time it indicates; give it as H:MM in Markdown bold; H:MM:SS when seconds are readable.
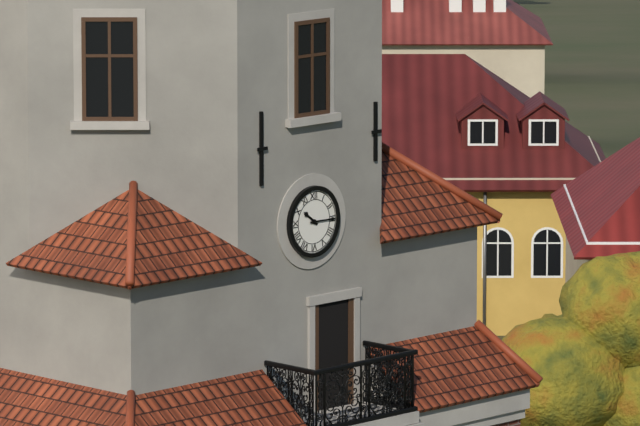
**10:15**
